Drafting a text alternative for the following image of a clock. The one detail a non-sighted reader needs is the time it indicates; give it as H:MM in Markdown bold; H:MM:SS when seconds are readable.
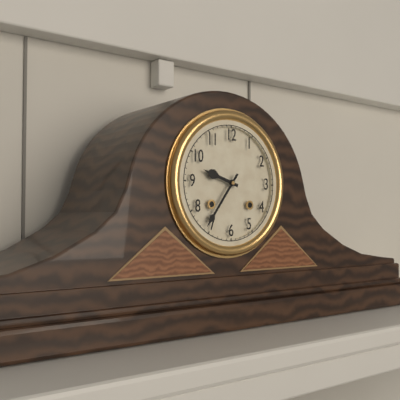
**9:36**
